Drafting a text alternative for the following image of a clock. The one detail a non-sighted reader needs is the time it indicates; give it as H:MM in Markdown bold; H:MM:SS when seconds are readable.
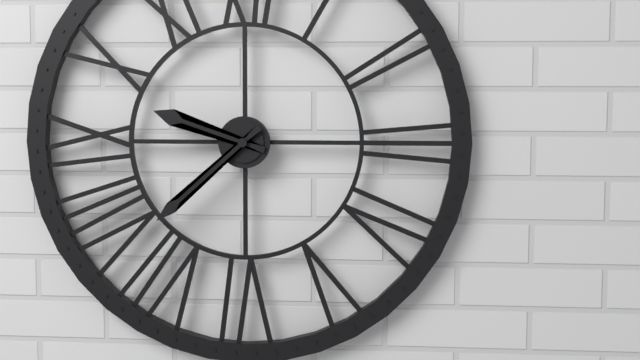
**9:38**
